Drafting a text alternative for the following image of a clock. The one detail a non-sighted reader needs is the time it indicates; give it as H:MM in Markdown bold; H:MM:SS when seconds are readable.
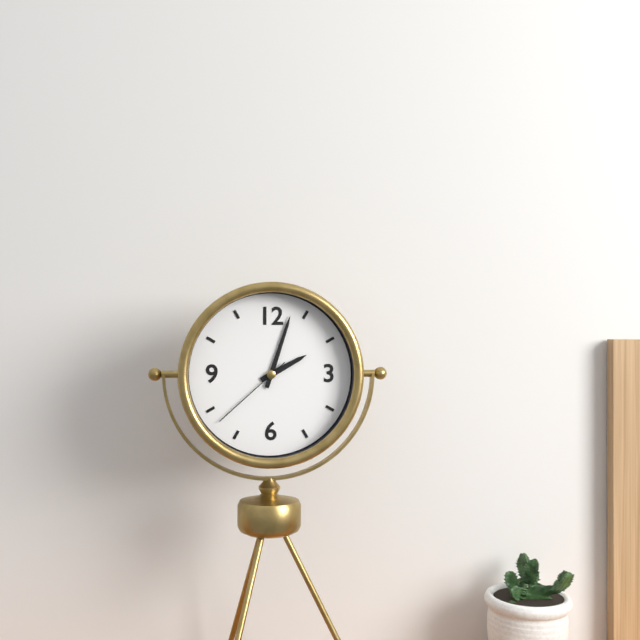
**2:03:38**
